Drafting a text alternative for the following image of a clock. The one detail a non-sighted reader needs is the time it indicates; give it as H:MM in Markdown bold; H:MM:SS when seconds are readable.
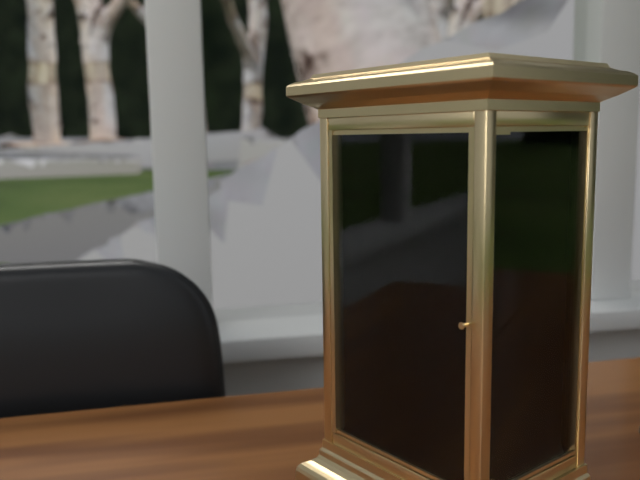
**7:50**
